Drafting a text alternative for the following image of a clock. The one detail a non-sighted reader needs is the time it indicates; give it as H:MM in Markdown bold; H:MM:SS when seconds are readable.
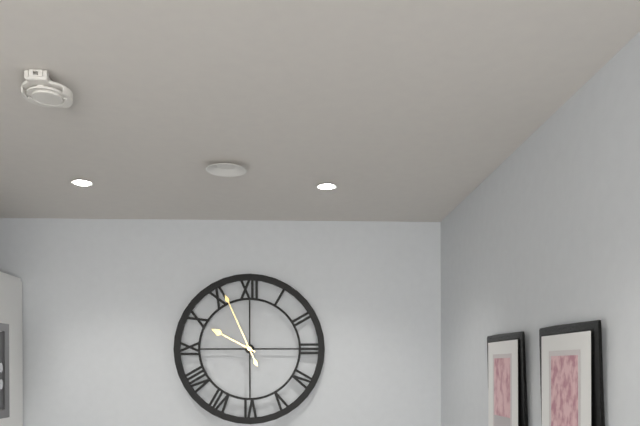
**9:56**
